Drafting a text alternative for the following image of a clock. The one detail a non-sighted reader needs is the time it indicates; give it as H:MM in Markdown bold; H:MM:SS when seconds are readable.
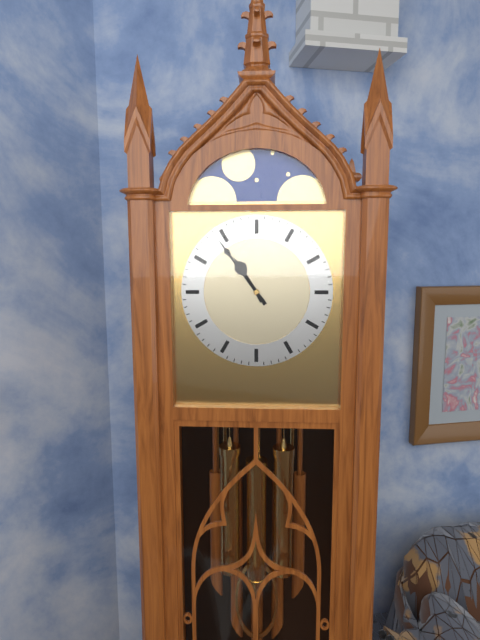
**10:54**
